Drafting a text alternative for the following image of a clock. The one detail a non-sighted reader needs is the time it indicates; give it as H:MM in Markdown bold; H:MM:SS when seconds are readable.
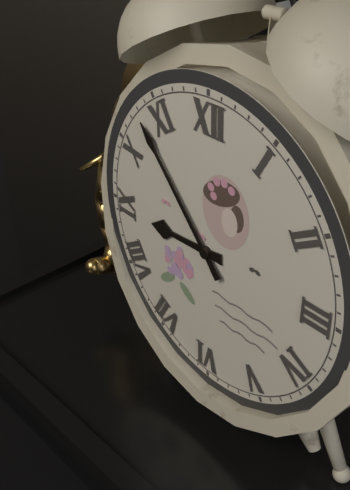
**8:53**
